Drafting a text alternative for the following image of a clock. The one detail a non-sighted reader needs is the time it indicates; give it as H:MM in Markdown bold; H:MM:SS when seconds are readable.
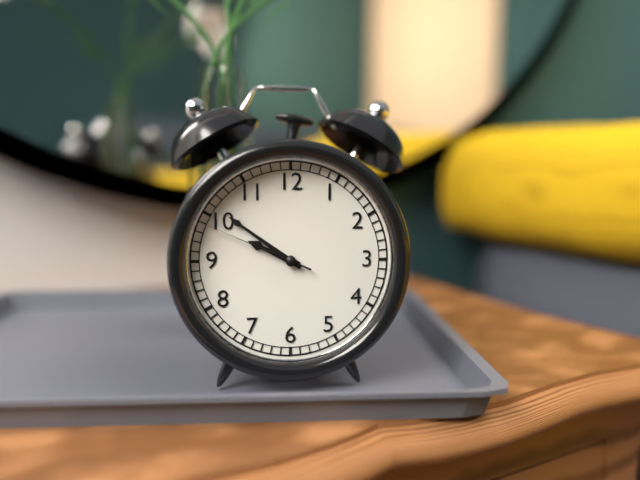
**9:51:49**
